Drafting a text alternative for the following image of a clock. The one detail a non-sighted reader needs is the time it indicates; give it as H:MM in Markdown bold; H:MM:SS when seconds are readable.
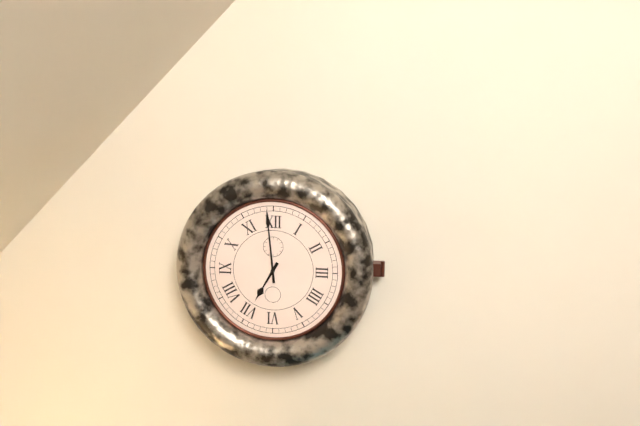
**6:59**
